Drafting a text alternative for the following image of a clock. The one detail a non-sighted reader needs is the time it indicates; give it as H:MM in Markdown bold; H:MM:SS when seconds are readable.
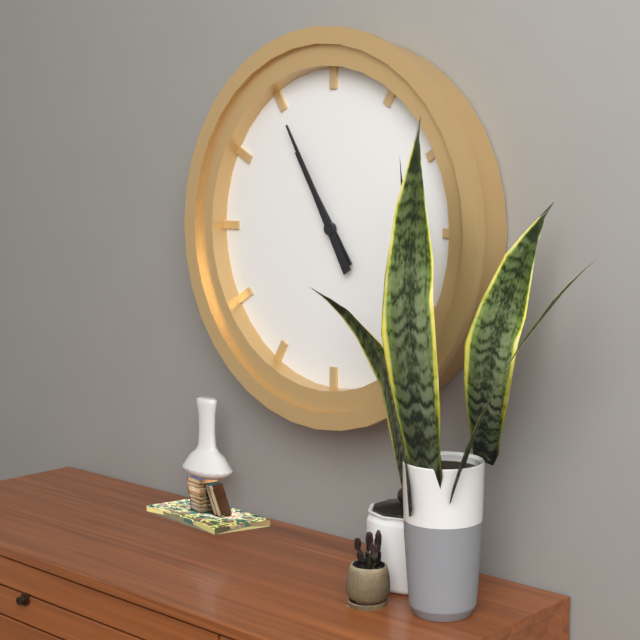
**10:55**
